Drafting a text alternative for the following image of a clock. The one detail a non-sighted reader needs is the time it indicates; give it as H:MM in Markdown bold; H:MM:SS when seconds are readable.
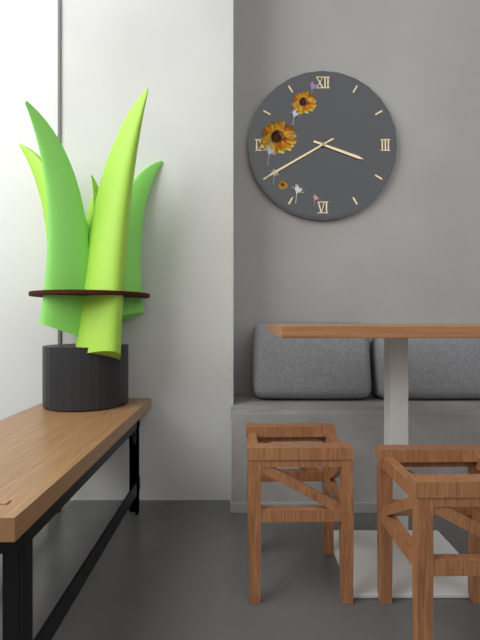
**3:40**
